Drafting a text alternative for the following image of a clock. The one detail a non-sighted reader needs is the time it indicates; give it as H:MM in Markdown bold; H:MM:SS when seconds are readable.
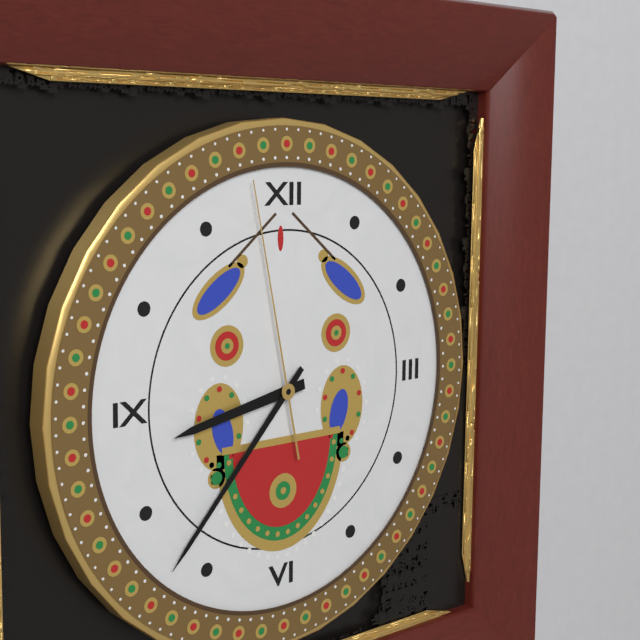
**8:37:58**
